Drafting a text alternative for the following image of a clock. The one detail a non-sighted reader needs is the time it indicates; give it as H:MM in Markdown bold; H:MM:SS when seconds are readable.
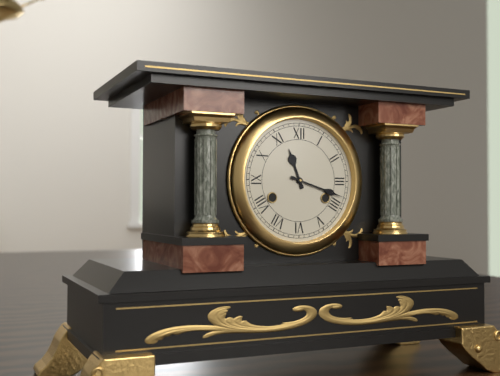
**11:18**
